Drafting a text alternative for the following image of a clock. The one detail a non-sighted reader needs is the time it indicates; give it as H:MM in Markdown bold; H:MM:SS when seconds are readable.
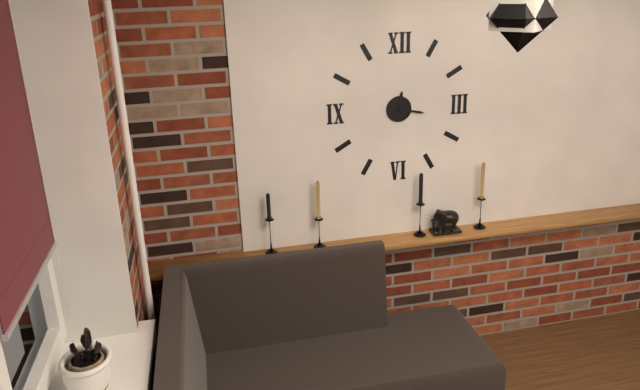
**12:17**
